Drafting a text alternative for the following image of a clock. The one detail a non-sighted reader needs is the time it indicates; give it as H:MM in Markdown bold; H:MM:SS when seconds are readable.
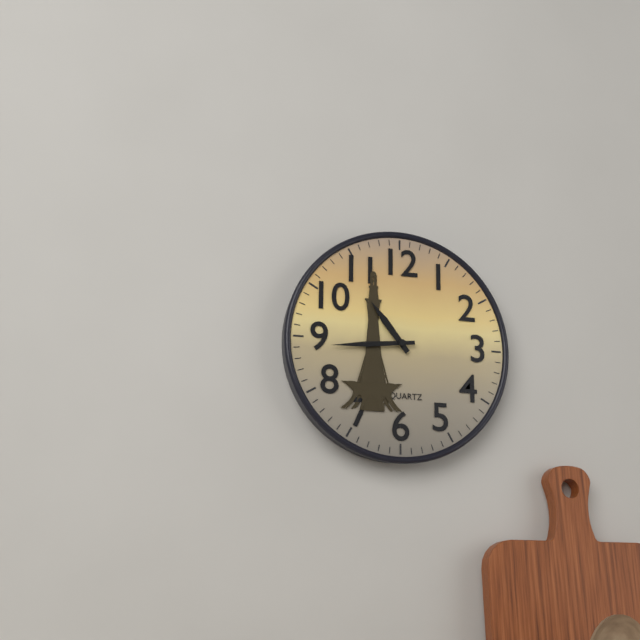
**10:44**
